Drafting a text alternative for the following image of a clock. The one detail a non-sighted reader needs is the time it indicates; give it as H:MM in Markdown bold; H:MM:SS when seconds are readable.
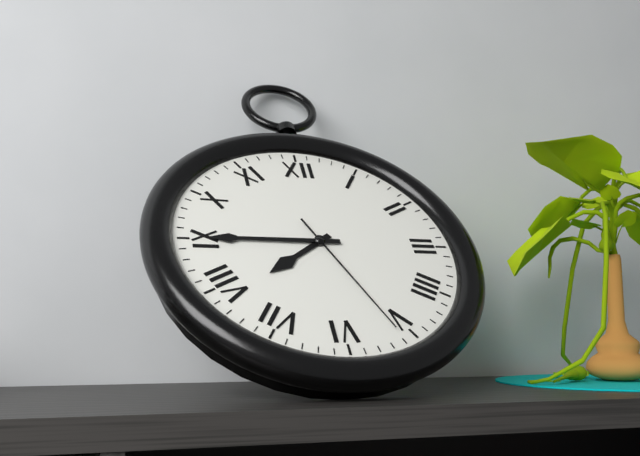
**7:45:26**
